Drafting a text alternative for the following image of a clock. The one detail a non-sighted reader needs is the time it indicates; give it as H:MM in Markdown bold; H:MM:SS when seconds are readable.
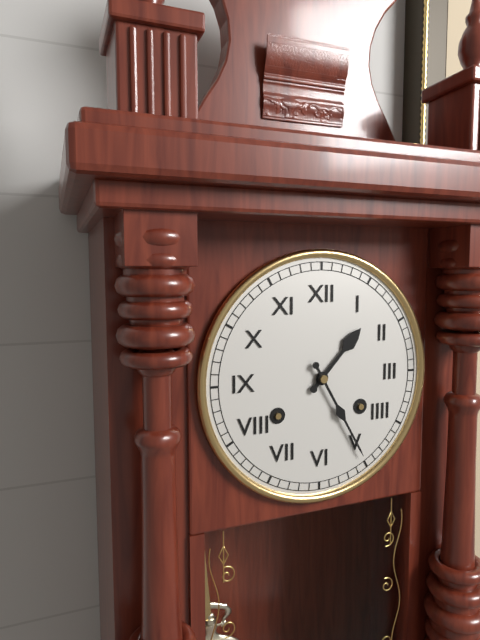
**1:25**
